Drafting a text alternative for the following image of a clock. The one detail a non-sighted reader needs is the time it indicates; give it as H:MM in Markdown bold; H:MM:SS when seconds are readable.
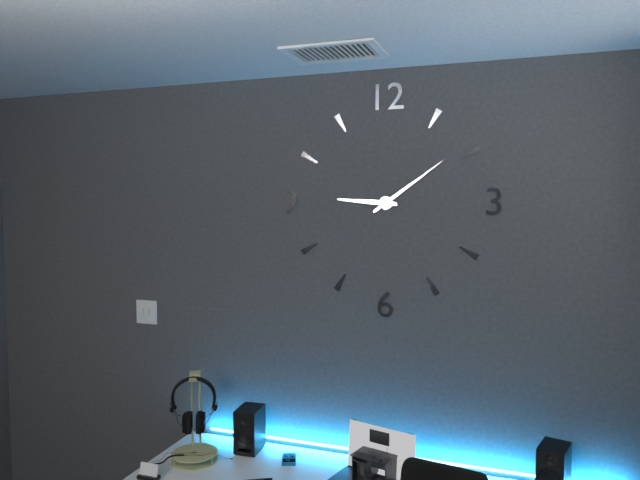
**9:09**
